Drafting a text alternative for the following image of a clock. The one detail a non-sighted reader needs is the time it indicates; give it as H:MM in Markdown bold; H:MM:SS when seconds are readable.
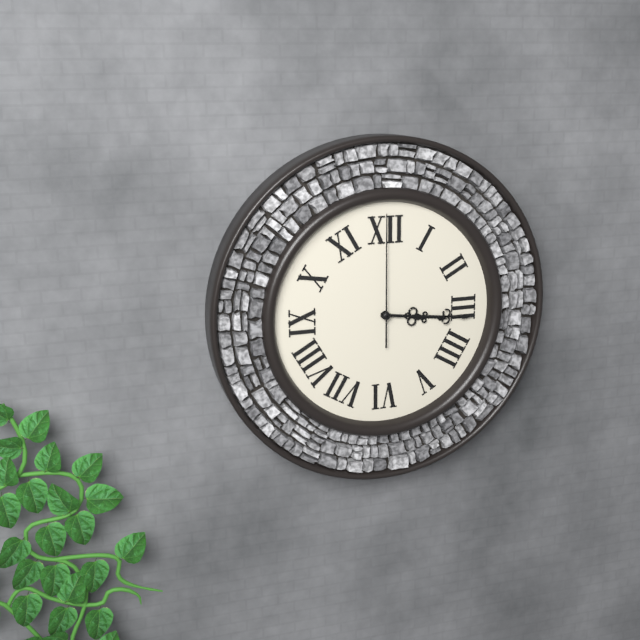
**3:16:00**
